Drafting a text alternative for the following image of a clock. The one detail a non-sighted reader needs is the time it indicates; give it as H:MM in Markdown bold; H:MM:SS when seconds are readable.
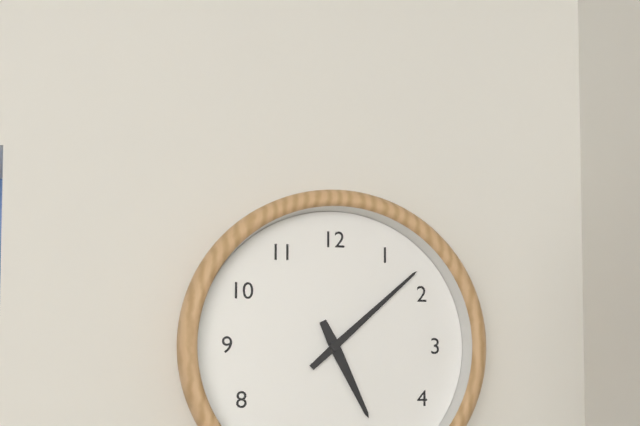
**5:08**
